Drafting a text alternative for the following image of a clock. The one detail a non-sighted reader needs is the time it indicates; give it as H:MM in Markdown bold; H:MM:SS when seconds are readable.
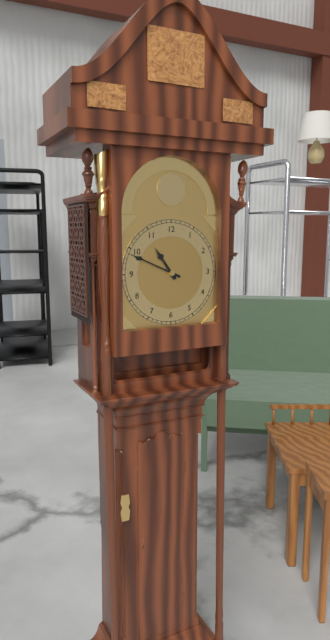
**10:49**
